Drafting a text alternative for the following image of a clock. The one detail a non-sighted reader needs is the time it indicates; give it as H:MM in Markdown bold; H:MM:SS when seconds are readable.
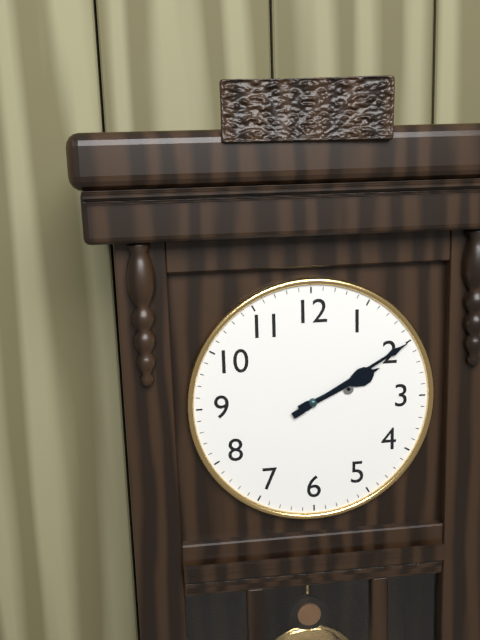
**2:10**
